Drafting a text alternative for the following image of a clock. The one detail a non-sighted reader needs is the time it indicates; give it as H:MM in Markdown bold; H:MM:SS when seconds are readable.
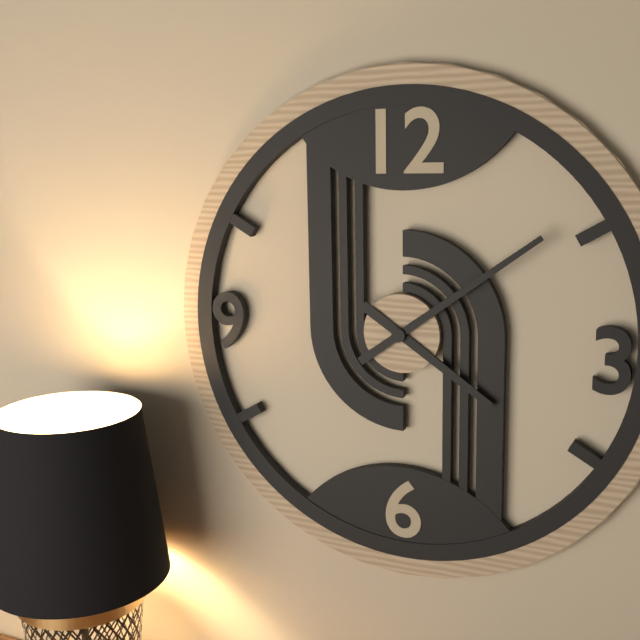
**4:09**
